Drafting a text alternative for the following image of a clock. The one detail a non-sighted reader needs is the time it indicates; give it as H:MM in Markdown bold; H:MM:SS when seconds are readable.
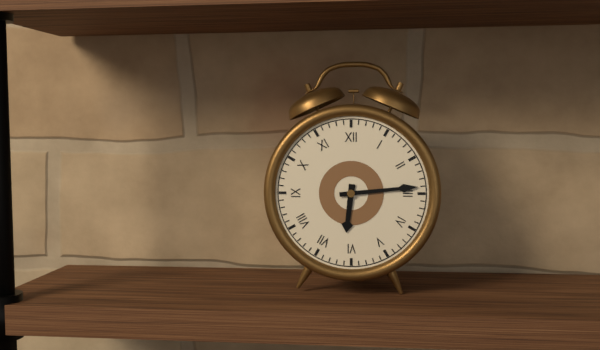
**6:14**
